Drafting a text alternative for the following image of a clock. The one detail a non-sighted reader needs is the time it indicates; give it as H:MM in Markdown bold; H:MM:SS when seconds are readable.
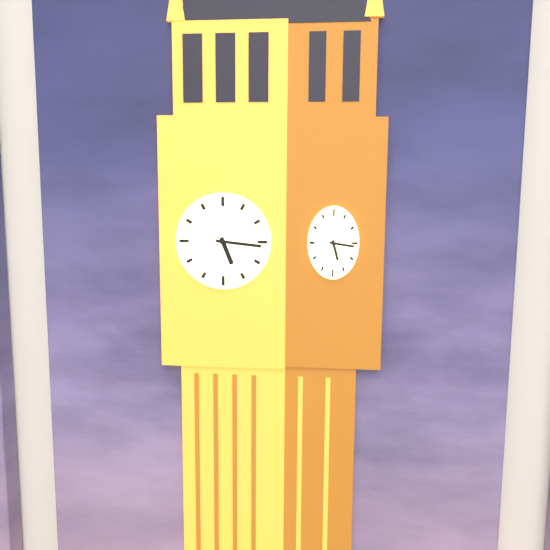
**5:16**
